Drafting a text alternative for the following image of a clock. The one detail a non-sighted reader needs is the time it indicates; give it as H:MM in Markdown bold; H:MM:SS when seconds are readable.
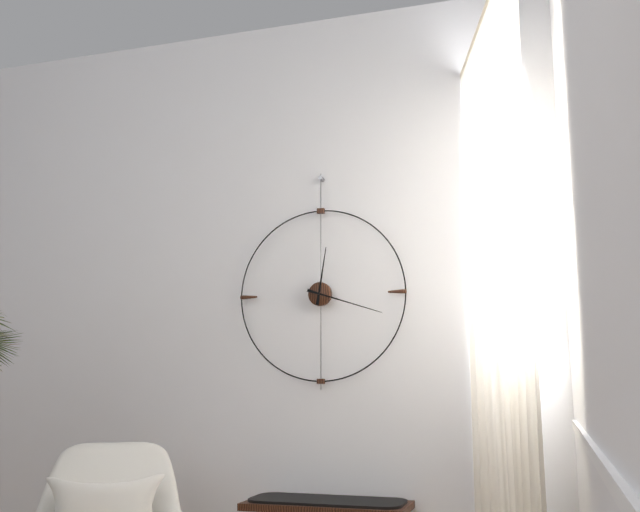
**12:18**
